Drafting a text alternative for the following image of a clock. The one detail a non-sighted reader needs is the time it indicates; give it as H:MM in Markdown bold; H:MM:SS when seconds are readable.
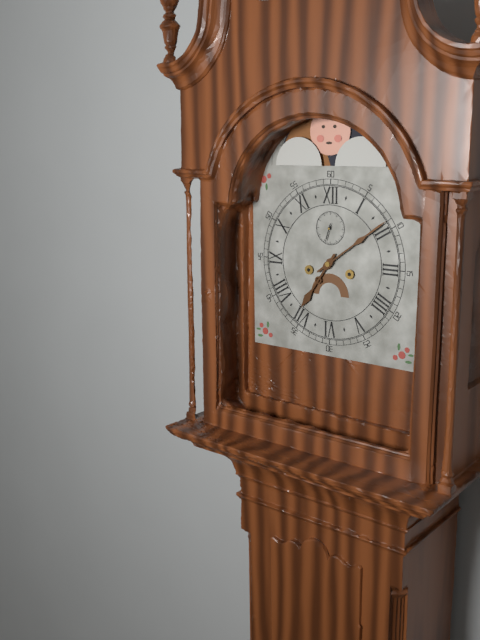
**7:09**
